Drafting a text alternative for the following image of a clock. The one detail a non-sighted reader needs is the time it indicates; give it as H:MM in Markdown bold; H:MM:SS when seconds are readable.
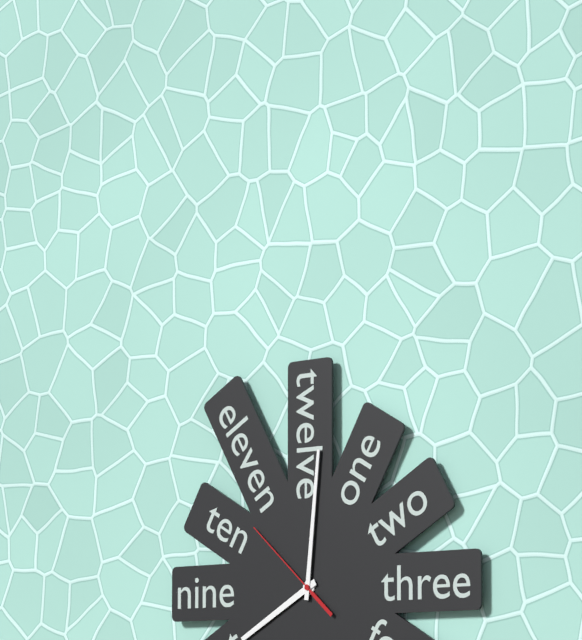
**8:01:52**
